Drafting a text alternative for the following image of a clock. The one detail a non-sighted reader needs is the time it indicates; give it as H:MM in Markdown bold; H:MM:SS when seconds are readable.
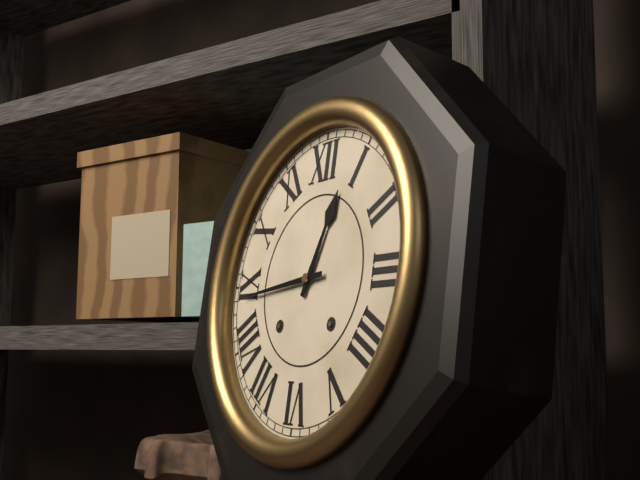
**12:44**
